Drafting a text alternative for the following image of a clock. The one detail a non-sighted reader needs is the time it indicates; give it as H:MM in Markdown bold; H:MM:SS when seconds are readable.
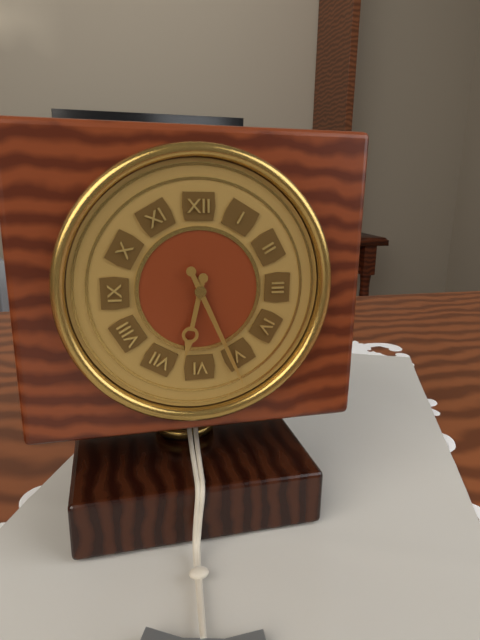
**6:26**
